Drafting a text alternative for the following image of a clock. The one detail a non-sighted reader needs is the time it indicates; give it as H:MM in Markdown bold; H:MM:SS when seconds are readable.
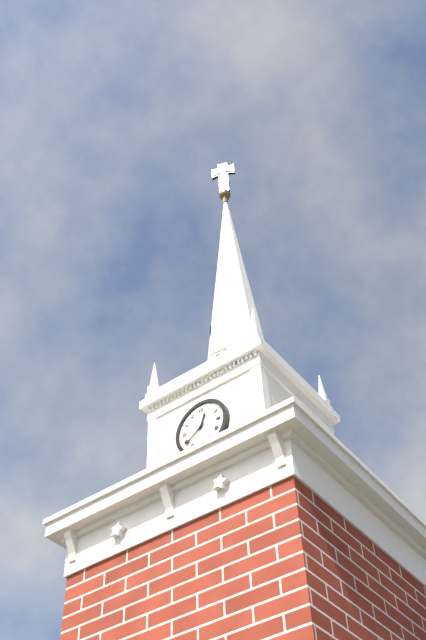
**12:39**
